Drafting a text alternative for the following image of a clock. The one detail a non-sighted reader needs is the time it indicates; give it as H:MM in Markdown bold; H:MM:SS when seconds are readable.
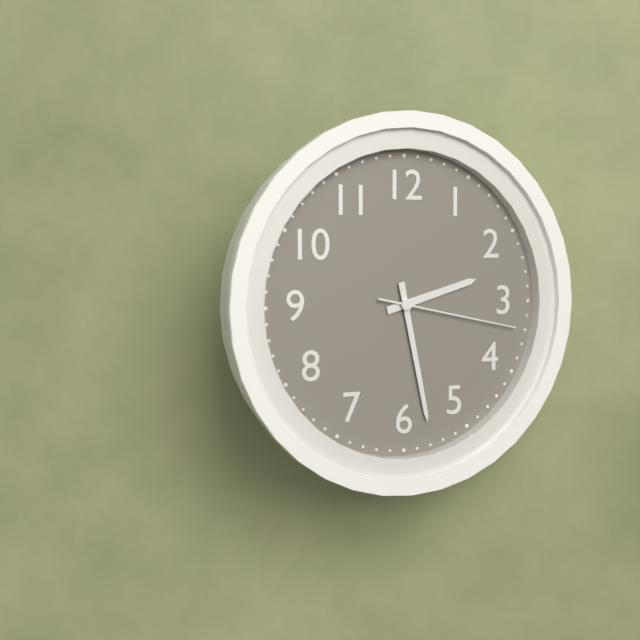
**2:28:17**
